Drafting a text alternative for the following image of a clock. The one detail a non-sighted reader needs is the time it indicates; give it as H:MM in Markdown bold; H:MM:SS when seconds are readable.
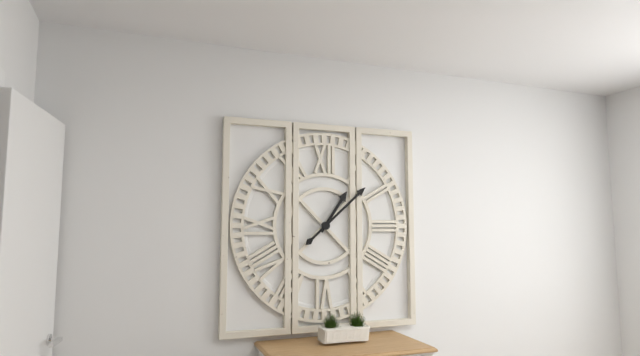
**1:08**
